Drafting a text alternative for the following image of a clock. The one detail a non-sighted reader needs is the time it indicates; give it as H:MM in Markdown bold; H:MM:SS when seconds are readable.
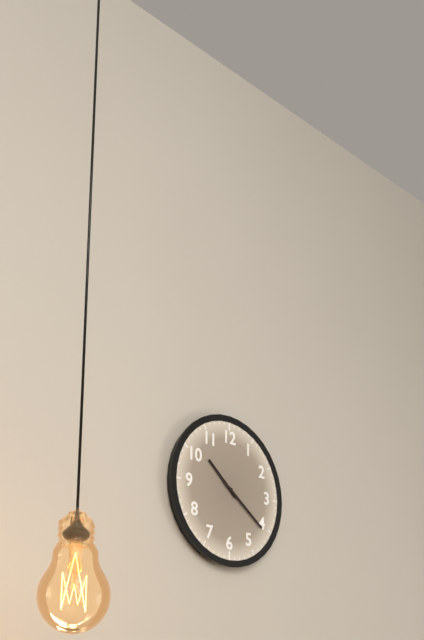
**10:21**
